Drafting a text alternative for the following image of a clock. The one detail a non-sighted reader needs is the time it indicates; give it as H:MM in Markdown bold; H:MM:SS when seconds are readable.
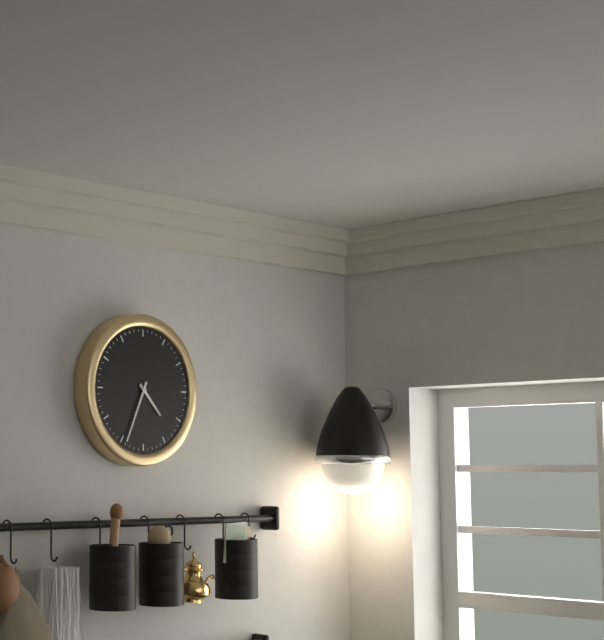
**4:34**
